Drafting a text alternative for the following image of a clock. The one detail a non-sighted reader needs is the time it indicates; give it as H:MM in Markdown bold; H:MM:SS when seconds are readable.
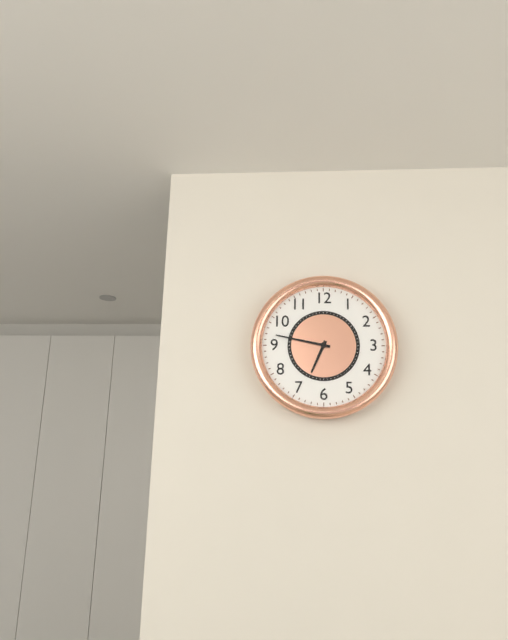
**6:47**
